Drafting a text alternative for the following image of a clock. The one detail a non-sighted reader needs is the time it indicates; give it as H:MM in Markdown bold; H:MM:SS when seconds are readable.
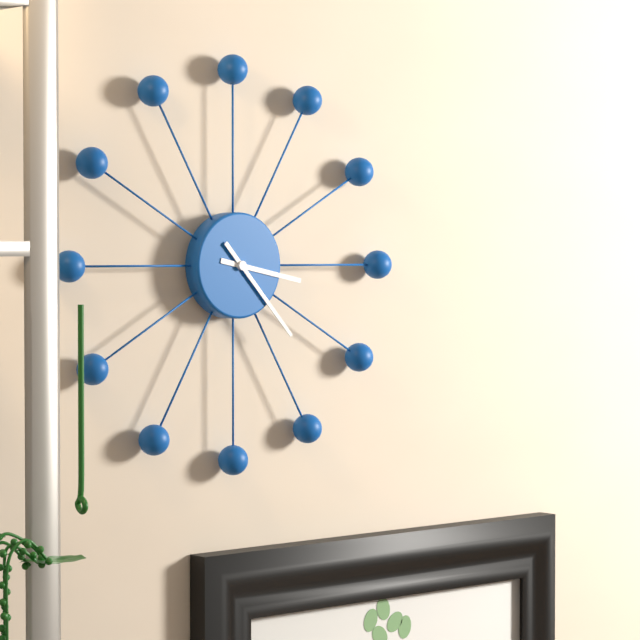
**3:23**
